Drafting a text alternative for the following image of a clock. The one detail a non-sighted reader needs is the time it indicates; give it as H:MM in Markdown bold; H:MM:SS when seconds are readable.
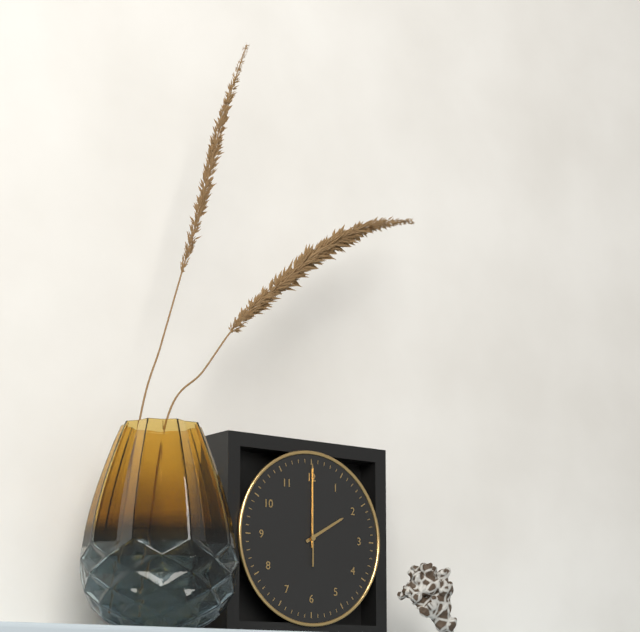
**2:00:00**
